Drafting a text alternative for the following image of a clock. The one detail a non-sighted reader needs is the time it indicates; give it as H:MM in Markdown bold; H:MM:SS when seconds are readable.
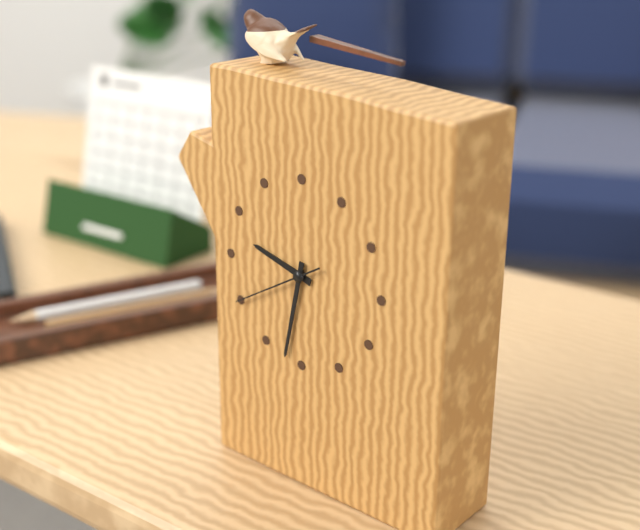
**9:32:40**
